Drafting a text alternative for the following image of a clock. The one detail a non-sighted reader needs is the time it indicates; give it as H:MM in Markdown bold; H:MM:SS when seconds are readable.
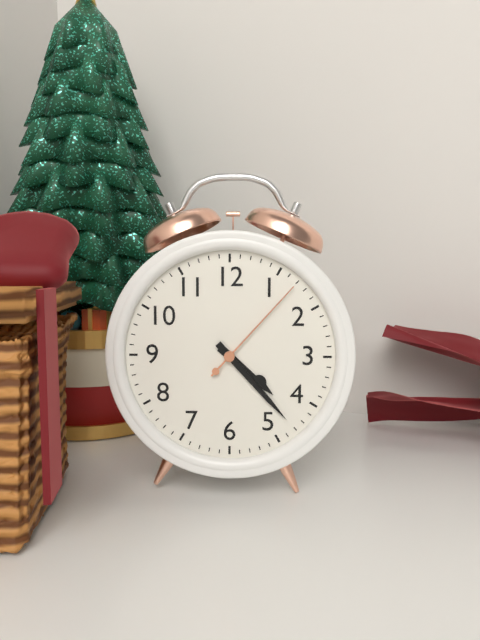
**4:23:07**
